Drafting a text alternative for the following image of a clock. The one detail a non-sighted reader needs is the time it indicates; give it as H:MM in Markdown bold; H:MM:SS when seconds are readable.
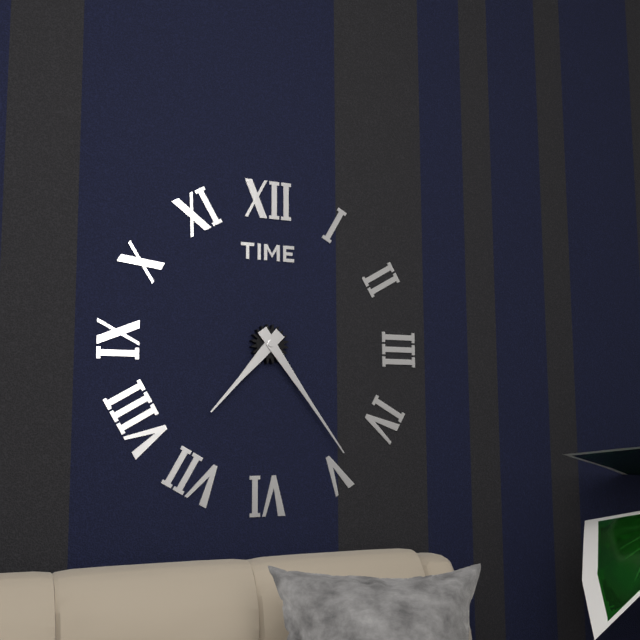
**7:24**
